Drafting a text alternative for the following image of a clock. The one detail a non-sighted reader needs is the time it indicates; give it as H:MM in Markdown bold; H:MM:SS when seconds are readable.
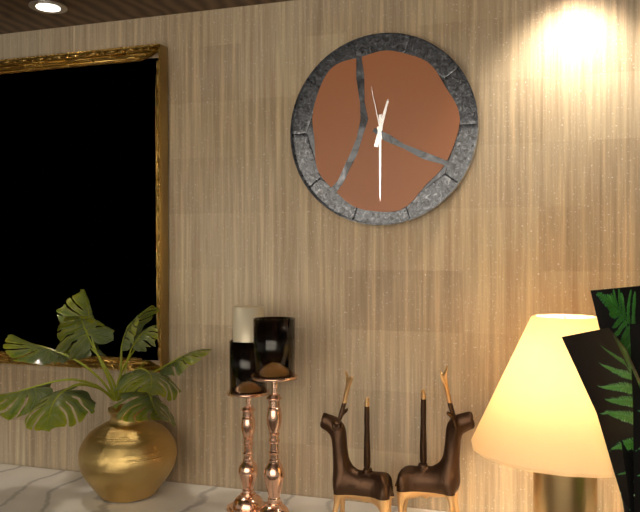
**12:30:58**
